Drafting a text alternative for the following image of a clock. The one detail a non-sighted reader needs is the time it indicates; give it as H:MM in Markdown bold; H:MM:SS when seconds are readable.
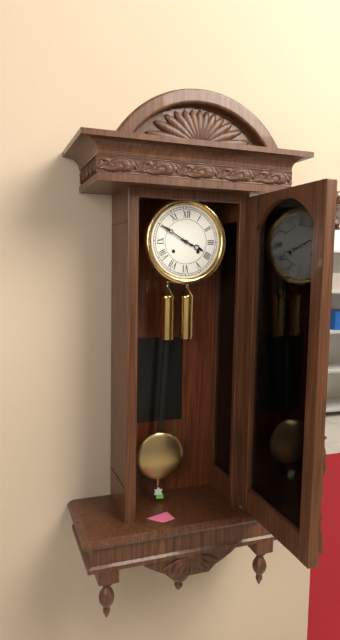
**3:50**
